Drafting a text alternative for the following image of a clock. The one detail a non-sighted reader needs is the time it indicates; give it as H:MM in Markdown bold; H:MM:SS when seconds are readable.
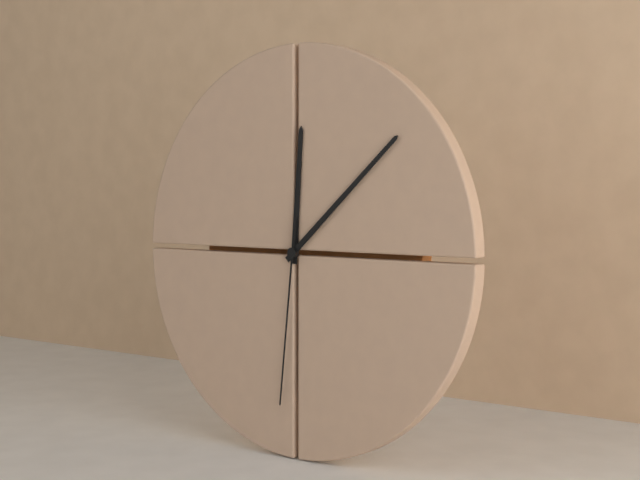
**12:08:31**
